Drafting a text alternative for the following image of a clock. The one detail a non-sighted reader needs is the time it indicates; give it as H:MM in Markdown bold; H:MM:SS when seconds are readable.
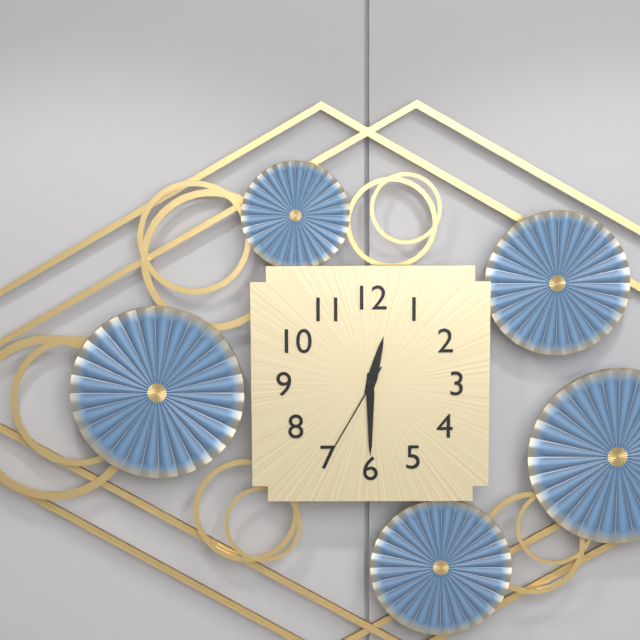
**12:30:35**
